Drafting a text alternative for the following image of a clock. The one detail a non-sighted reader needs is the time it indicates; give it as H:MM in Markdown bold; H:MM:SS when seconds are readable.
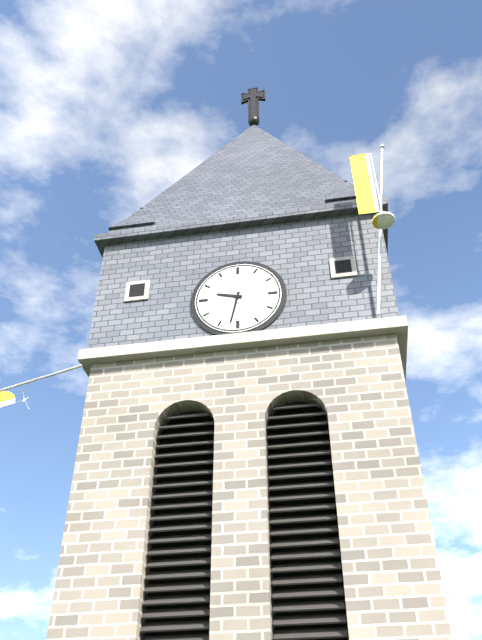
**9:32**
